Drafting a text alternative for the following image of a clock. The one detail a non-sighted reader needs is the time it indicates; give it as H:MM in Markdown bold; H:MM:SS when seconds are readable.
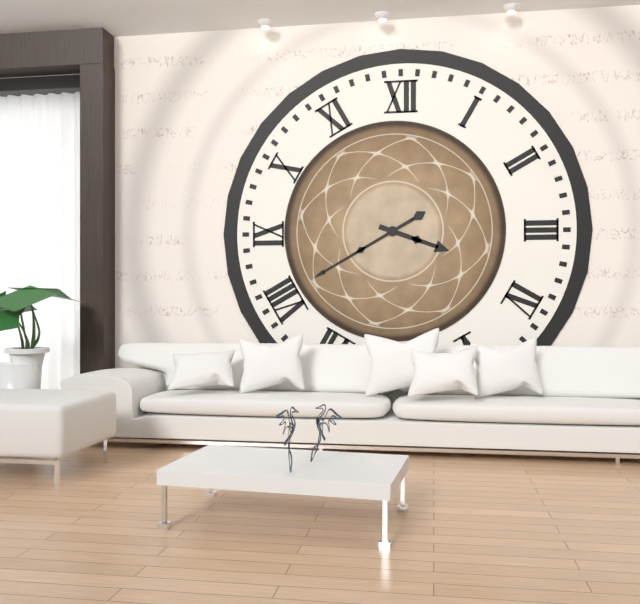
**3:40**
